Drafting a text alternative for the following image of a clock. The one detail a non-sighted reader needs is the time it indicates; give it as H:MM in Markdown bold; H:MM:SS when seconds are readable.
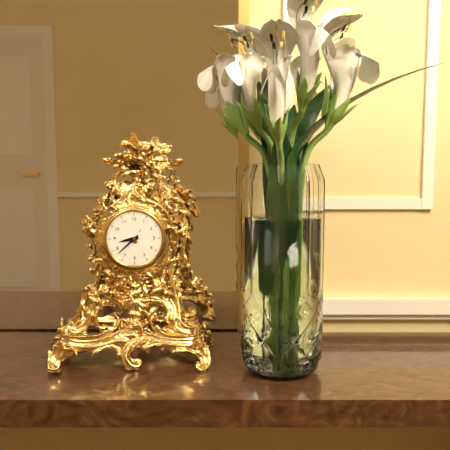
**8:38**
